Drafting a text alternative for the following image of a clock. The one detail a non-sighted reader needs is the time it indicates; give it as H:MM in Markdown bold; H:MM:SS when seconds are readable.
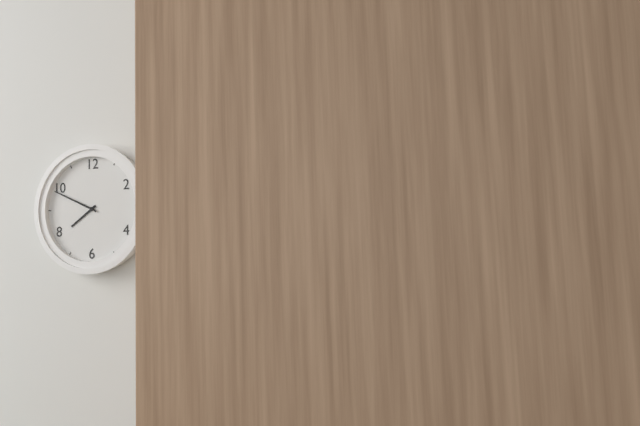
**7:49**
